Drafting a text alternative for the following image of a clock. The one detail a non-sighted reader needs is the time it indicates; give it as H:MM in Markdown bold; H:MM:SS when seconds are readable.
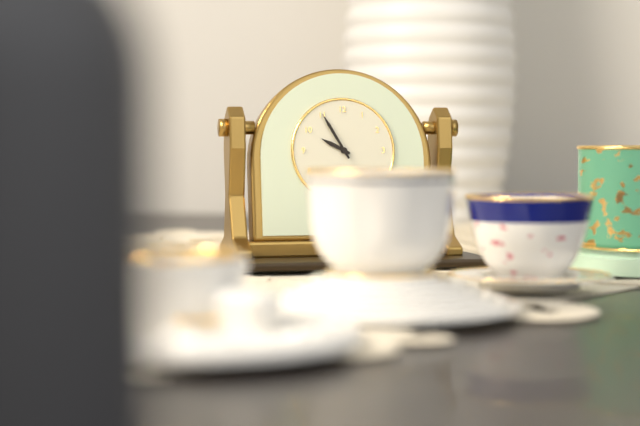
**9:55**
